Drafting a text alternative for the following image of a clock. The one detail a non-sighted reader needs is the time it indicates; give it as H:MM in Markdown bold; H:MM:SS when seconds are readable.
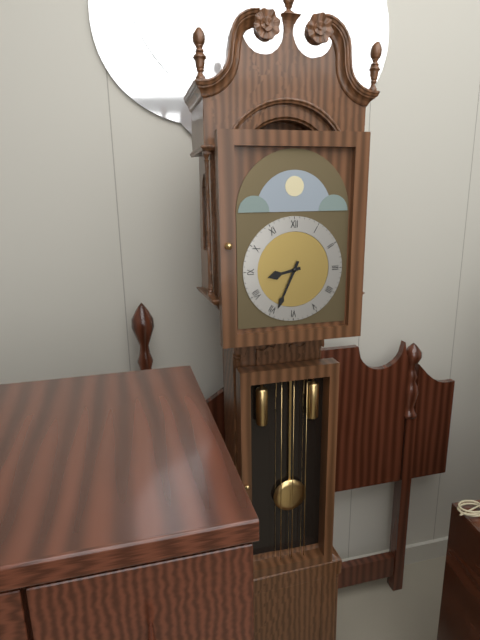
**8:34**
